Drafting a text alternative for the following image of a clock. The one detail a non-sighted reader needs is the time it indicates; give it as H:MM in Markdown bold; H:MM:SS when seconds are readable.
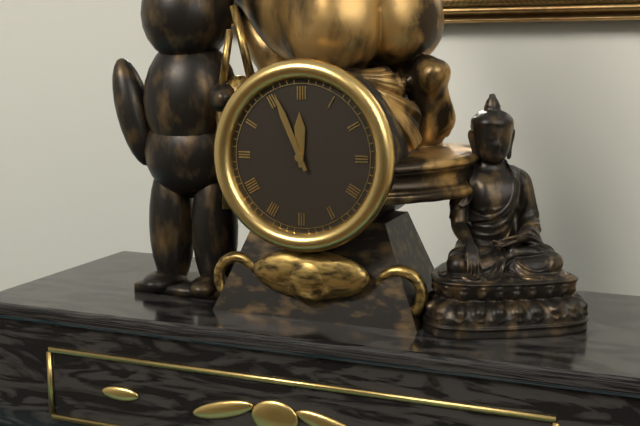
**11:56**
